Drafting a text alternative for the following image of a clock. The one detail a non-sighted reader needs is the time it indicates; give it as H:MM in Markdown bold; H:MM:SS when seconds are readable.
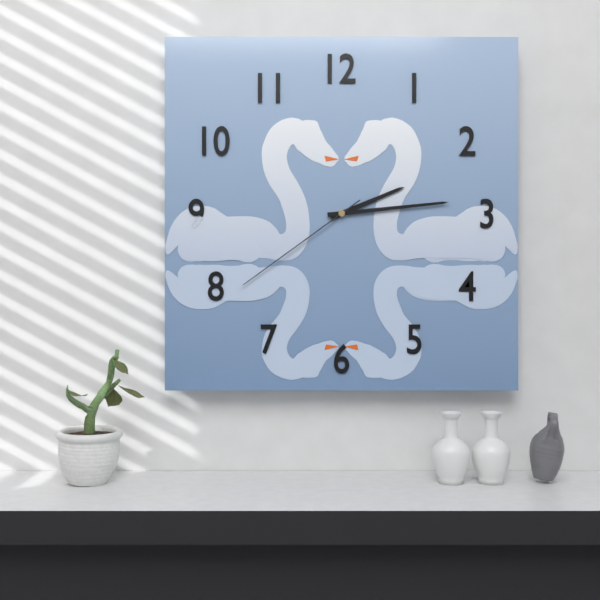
**2:14:39**
